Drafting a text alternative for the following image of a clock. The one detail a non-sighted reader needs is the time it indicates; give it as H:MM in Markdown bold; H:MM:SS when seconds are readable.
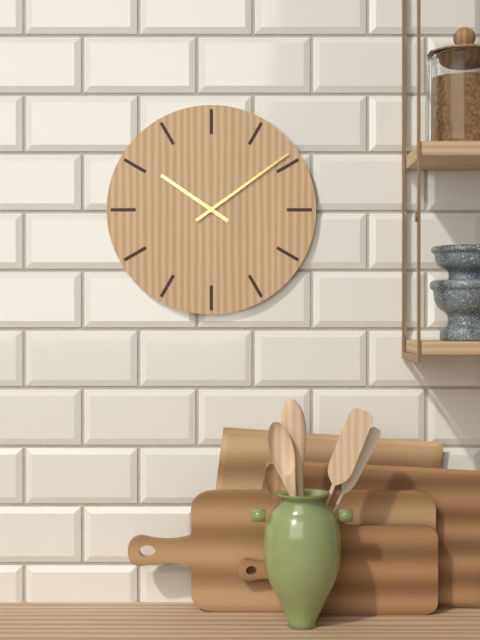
**10:09**
